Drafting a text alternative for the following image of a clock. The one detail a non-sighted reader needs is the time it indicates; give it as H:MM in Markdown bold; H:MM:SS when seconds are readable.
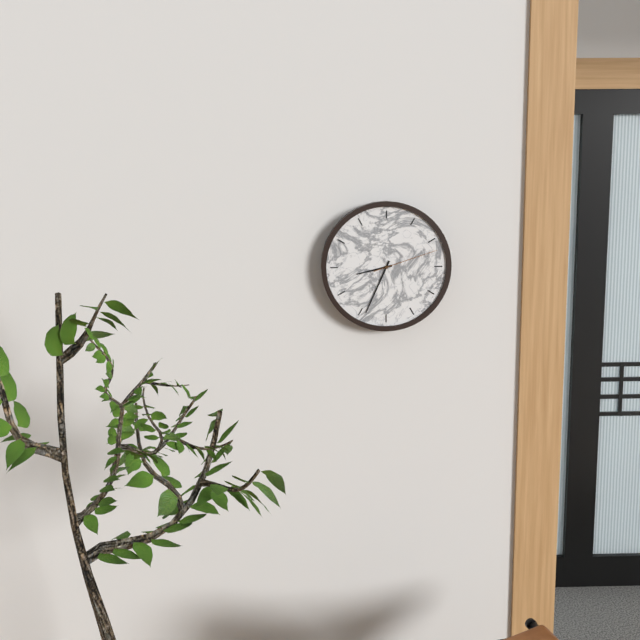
**8:34:12**
